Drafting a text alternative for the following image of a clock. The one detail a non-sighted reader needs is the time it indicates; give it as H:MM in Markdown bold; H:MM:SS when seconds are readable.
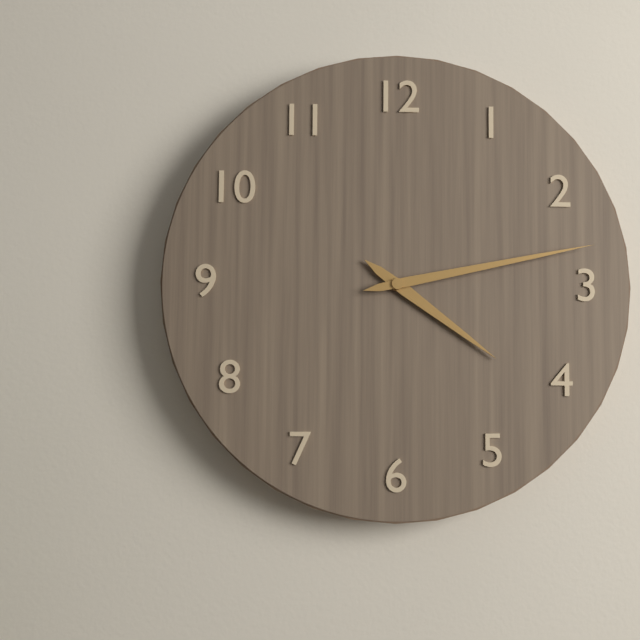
**4:13**
